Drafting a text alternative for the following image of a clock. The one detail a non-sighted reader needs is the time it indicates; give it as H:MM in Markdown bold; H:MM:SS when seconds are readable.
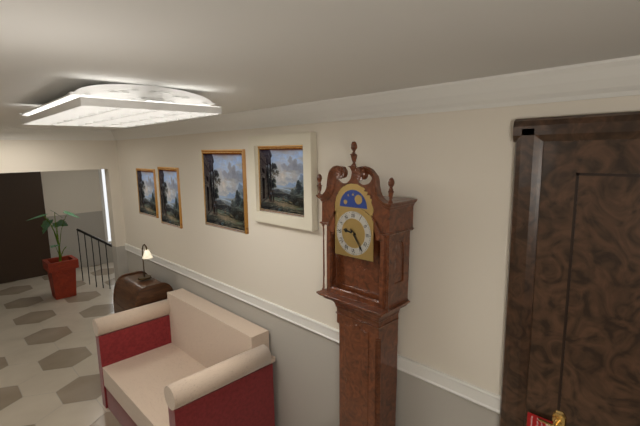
**9:24**
